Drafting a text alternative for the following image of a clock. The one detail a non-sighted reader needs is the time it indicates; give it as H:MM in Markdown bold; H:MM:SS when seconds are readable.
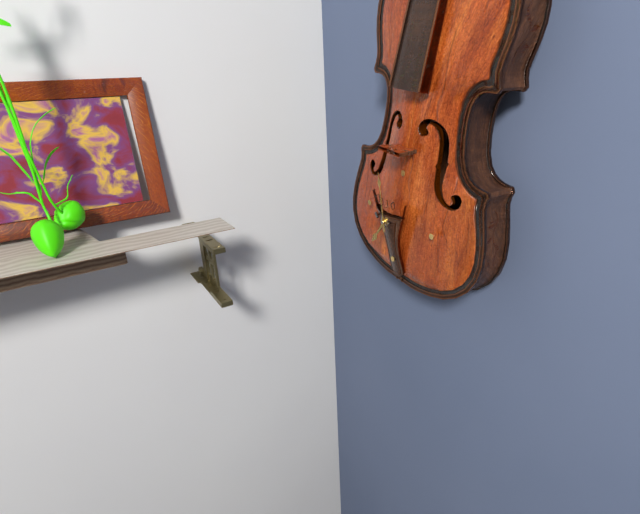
**6:57**
